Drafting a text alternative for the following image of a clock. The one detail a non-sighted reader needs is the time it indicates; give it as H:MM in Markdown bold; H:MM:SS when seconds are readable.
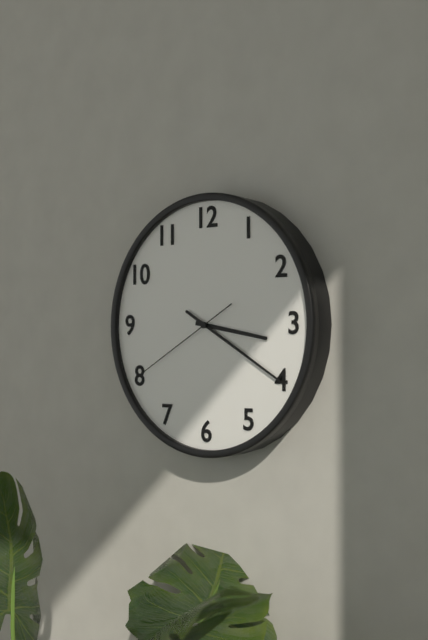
**3:20:40**
